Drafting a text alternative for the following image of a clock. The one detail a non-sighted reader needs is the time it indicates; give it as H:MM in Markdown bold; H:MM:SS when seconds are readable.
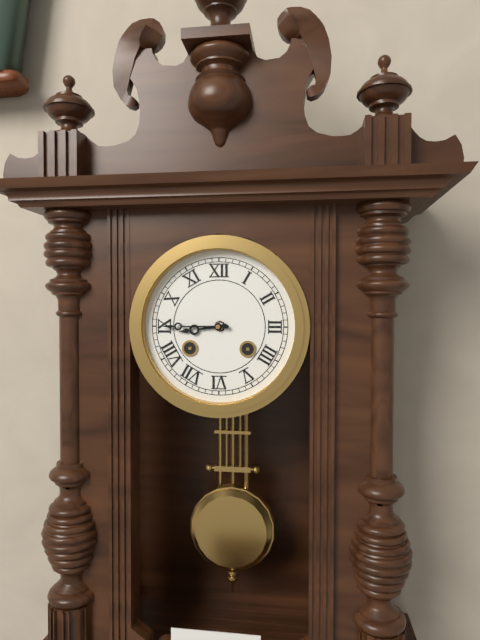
**8:45**
